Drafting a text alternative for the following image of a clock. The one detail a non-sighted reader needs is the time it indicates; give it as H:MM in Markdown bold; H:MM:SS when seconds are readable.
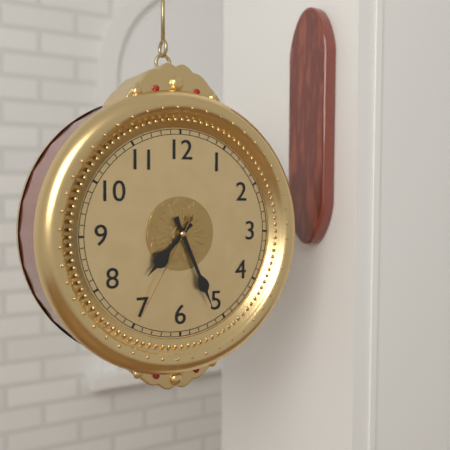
**7:26:35**
